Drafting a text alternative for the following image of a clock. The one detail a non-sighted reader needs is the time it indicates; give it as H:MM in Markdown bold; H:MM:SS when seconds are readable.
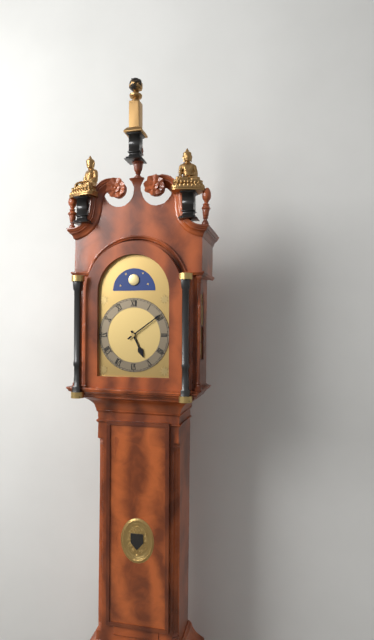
**5:09**
